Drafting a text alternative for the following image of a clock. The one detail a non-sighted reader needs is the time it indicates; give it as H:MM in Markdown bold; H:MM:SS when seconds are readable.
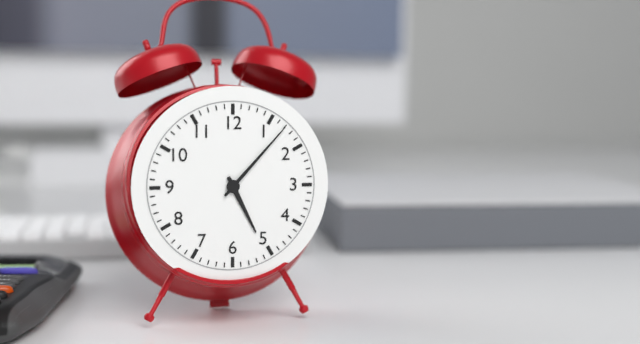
**5:07**
